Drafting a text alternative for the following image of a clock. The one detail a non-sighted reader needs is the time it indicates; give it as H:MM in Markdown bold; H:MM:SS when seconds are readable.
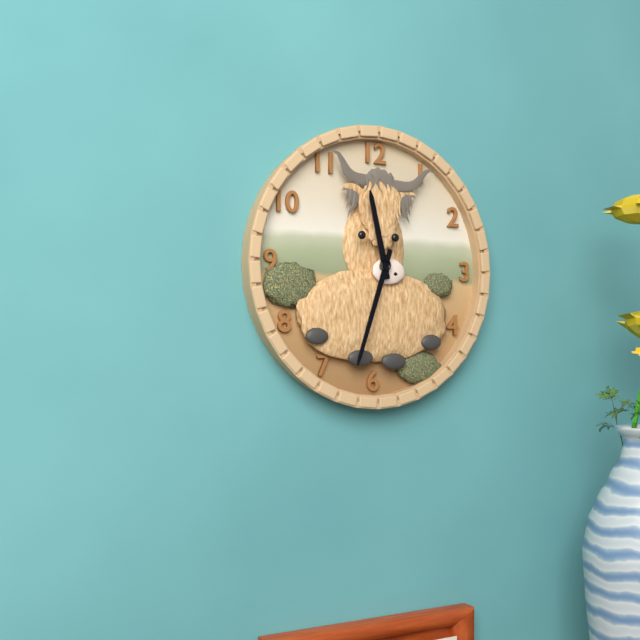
**11:33**
